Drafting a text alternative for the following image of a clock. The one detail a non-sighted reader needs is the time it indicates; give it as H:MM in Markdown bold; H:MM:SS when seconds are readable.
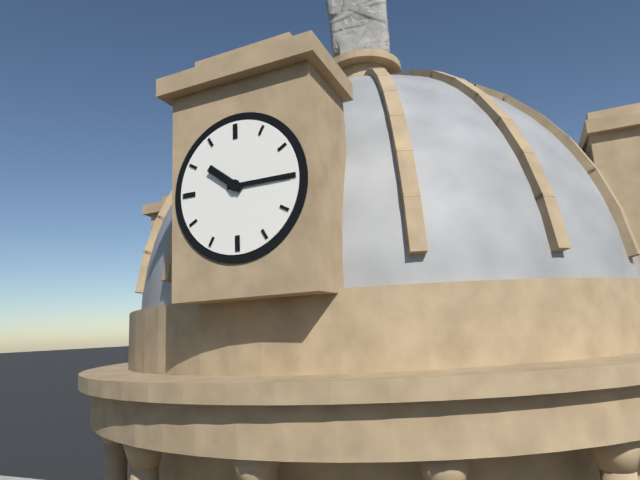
**10:15**
